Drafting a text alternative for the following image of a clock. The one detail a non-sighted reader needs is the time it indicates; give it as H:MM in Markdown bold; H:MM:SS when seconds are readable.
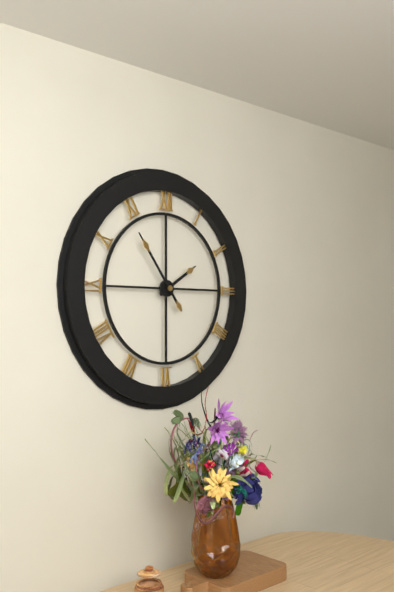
**1:54**
